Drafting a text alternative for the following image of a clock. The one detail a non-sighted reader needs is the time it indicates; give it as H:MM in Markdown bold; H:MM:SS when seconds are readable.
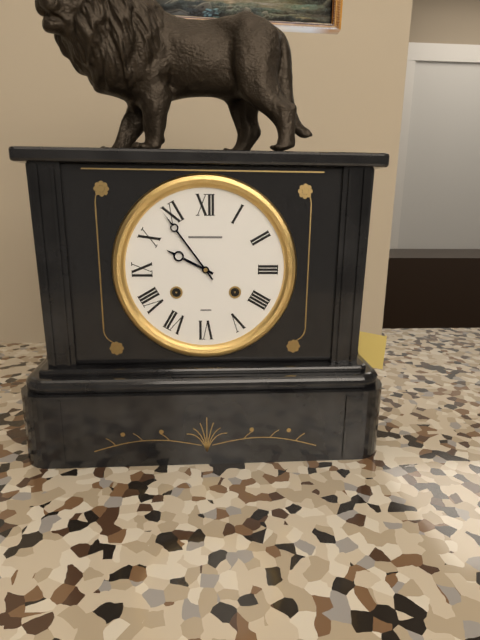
**9:54**
